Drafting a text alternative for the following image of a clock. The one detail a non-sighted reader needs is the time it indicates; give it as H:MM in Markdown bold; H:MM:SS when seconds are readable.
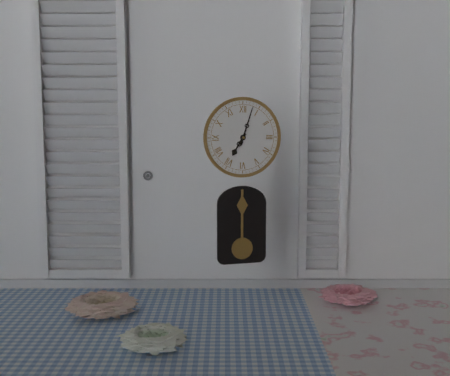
**7:03**
